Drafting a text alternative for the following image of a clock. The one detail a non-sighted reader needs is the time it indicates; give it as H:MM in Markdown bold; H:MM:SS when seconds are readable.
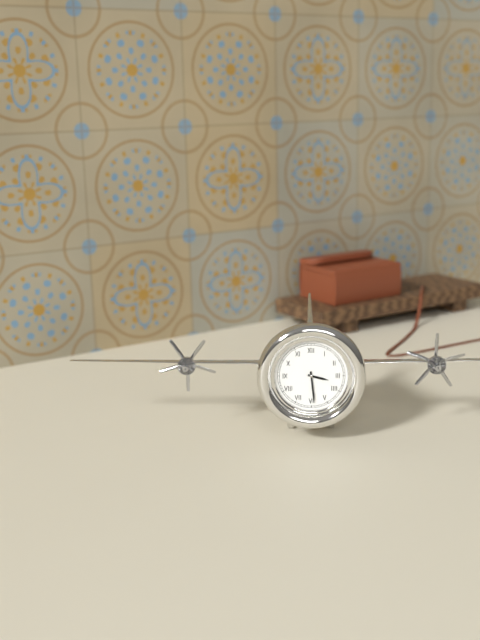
**3:29**
